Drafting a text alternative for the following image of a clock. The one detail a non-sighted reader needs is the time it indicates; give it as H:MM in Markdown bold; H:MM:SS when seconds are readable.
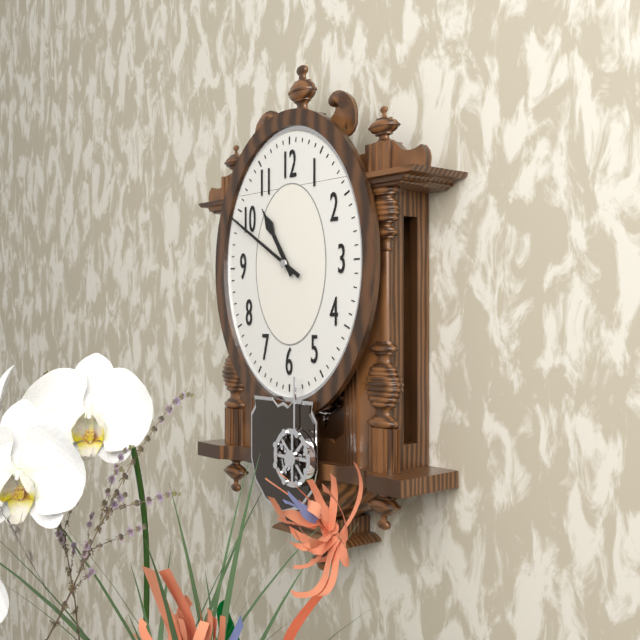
**10:50**
